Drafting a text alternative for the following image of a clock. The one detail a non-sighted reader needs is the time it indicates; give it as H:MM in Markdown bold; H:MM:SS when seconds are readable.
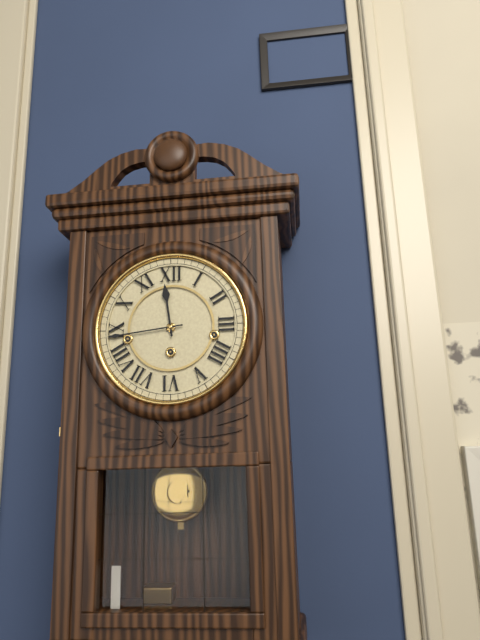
**11:44**
